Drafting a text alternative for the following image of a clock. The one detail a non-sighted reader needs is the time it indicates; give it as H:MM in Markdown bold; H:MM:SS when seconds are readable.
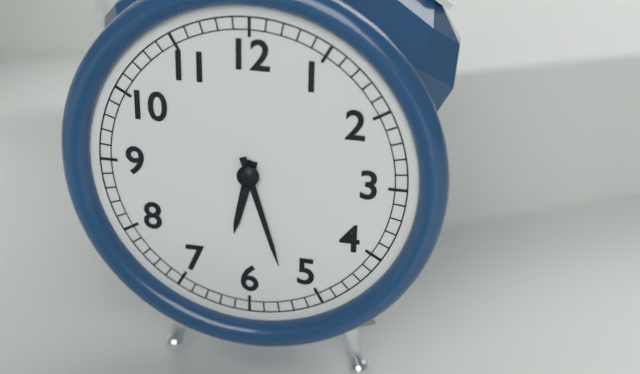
**6:27**
